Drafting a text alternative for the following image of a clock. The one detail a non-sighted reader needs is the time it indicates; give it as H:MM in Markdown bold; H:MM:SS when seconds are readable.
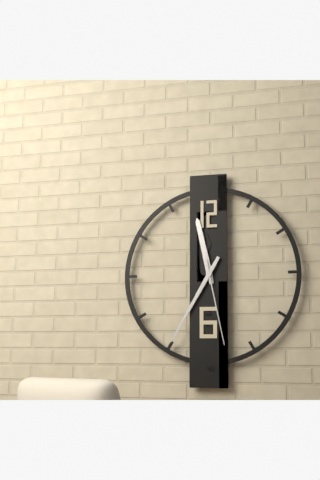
**11:35:28**
